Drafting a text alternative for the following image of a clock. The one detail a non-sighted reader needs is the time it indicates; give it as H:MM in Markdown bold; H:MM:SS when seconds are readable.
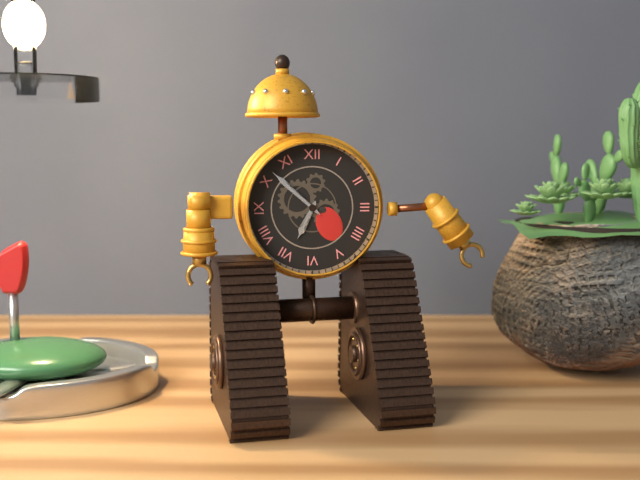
**6:52**
